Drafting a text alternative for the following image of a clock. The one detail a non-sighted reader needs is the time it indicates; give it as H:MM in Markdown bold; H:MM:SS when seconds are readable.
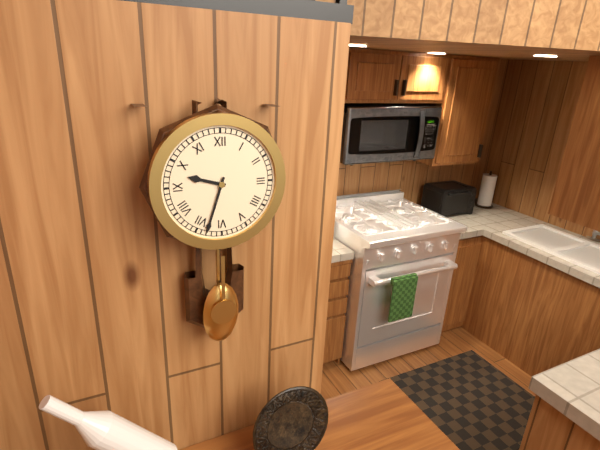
**9:33**
